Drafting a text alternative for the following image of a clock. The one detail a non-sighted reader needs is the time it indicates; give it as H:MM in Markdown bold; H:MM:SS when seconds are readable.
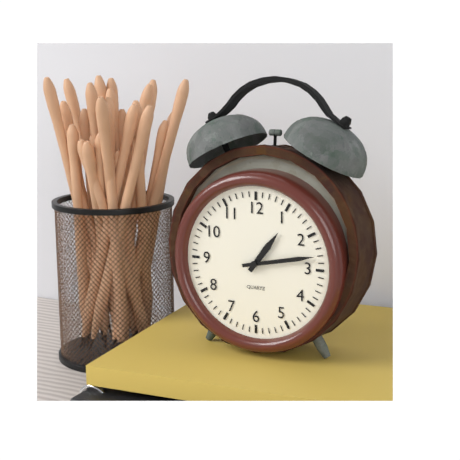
**1:13**
